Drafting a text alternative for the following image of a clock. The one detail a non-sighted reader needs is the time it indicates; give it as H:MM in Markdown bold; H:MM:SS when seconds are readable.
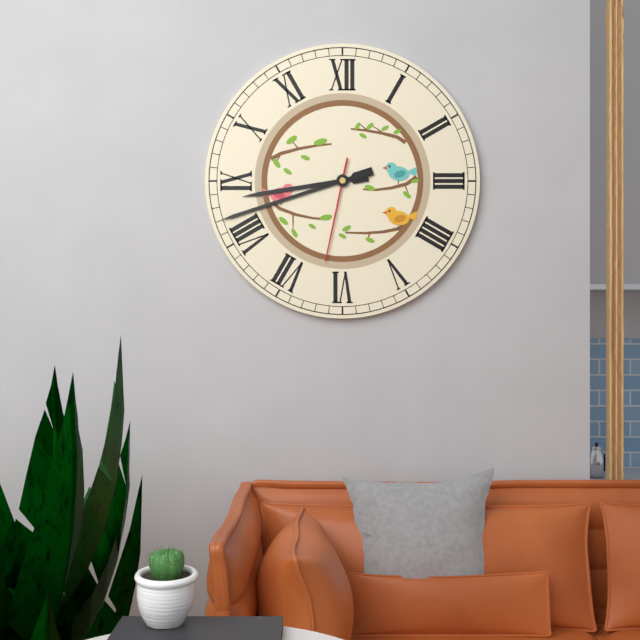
**8:42:32**
